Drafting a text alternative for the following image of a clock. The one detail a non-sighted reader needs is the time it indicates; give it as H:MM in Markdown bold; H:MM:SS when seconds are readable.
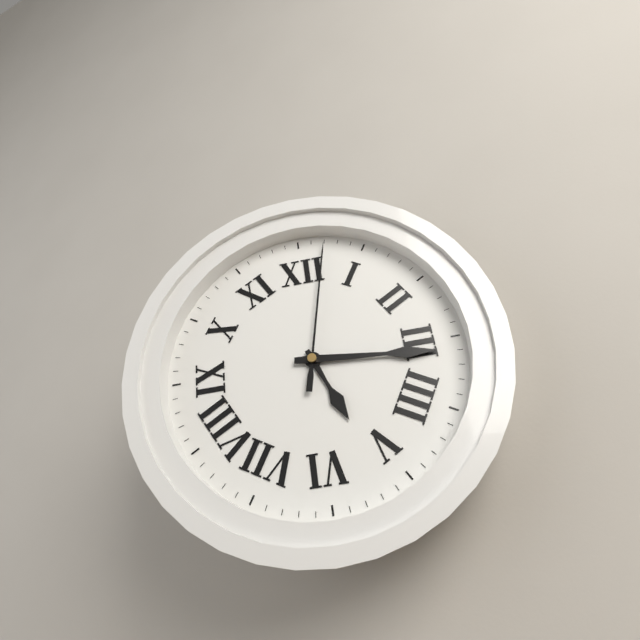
**5:16:02**
